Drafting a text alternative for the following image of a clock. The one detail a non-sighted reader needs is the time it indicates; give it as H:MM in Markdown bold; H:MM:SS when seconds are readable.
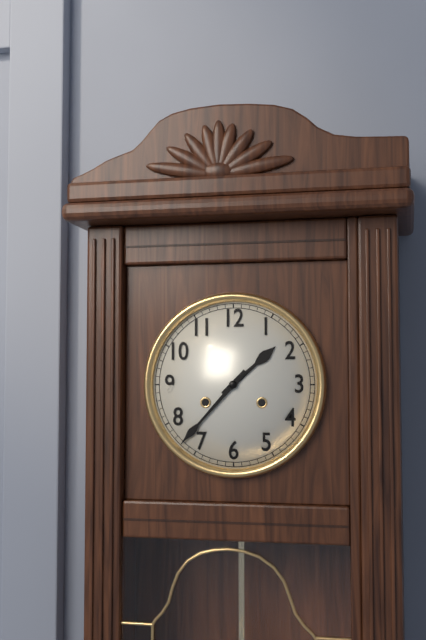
**1:37**
